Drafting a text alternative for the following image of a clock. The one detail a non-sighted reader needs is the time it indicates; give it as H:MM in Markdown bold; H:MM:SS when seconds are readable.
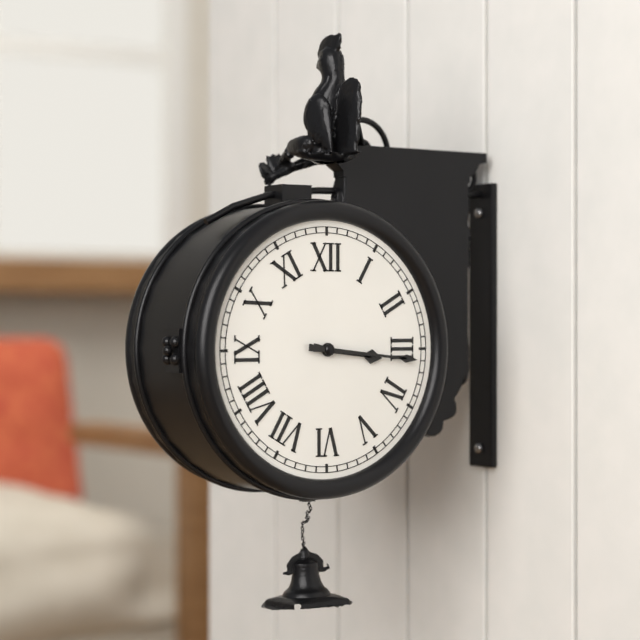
**3:16**
